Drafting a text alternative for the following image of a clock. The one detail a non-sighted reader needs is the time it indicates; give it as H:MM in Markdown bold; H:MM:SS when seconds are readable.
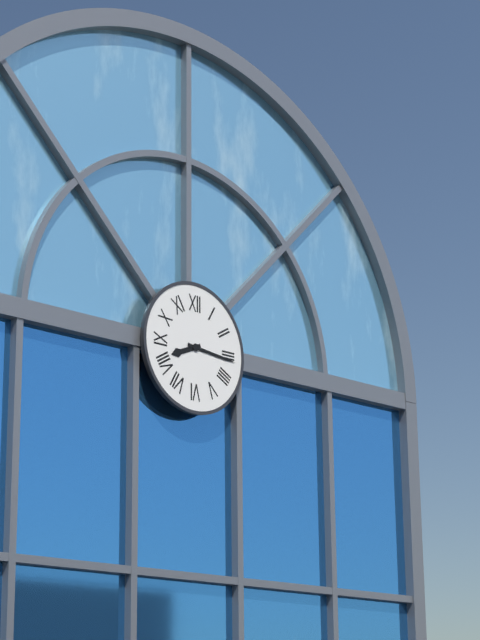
**8:16**
